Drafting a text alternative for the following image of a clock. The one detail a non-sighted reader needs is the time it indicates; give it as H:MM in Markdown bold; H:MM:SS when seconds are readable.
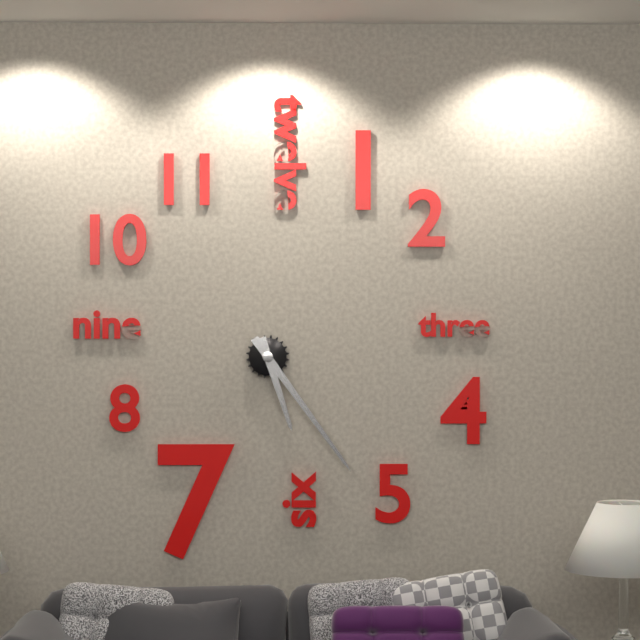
**5:24**
